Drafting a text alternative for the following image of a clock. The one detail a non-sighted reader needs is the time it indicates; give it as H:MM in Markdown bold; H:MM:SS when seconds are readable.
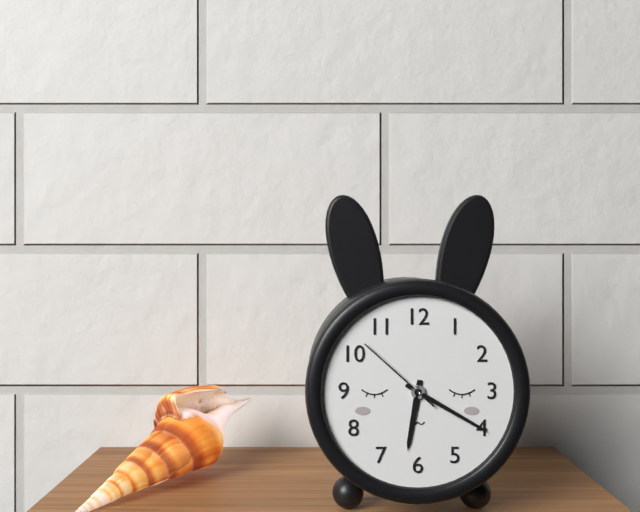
**6:20:52**
